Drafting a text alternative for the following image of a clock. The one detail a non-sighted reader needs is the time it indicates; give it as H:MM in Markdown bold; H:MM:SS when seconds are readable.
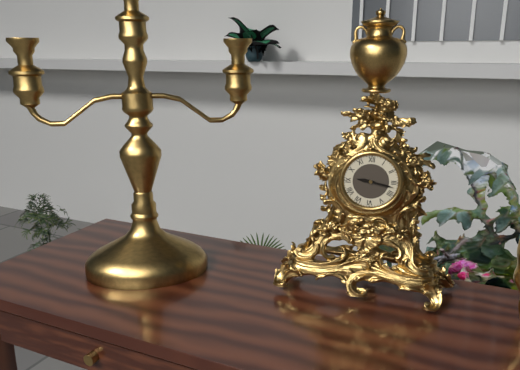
**9:17**
